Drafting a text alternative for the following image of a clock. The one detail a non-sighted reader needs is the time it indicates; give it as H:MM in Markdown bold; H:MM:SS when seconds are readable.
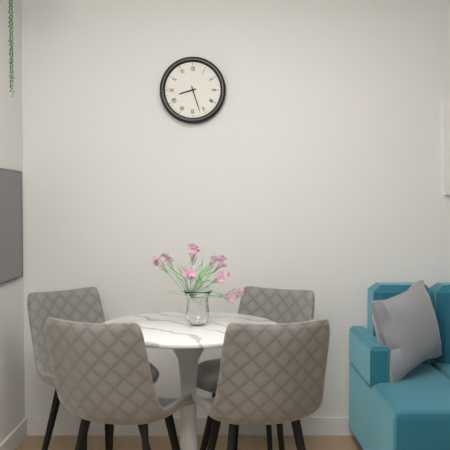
**8:27**
